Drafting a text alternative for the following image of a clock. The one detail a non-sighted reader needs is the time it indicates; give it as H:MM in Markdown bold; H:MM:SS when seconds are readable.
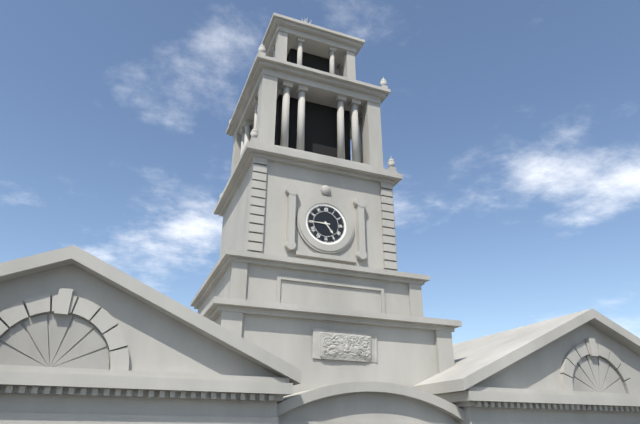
**4:45**
